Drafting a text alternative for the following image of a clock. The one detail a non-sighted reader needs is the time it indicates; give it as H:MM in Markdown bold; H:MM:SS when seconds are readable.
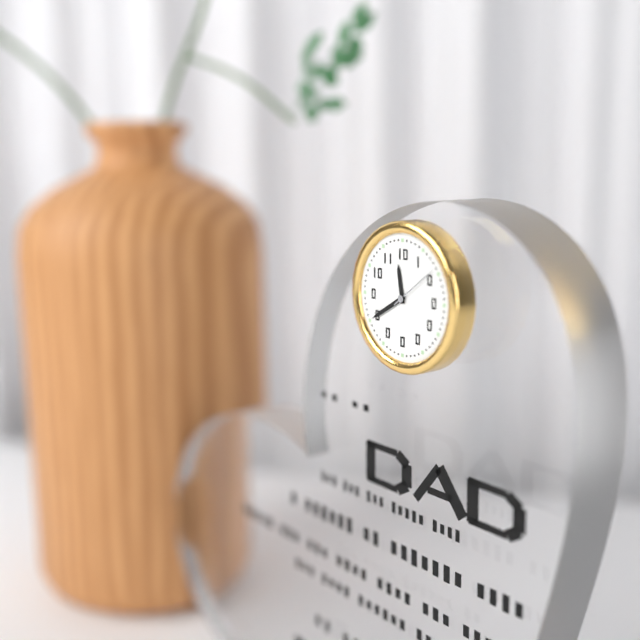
**11:40**
